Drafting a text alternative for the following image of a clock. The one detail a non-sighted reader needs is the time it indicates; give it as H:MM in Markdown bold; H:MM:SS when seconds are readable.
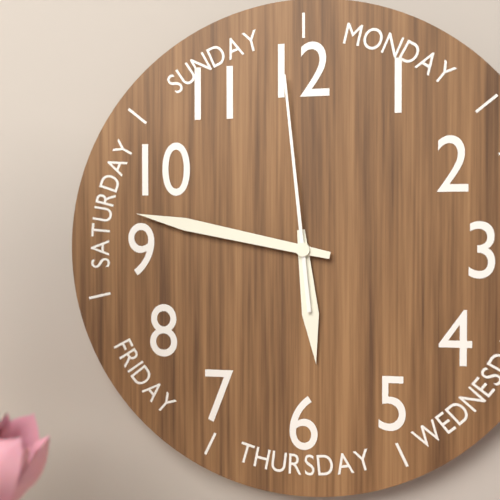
**5:47:59**
